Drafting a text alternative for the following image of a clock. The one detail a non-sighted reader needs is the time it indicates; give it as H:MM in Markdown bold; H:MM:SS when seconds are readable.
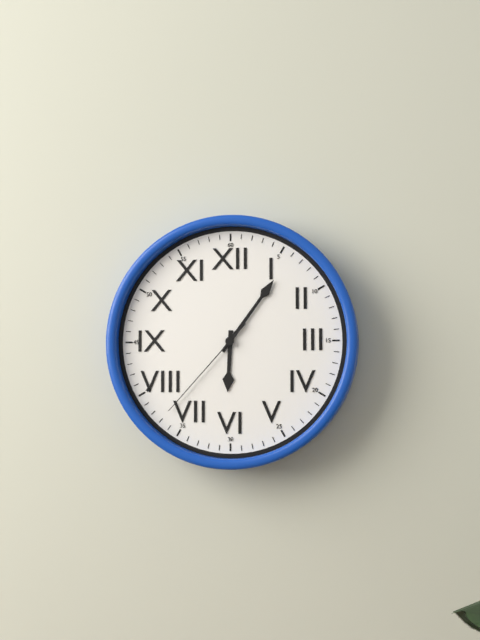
**6:06:37**
